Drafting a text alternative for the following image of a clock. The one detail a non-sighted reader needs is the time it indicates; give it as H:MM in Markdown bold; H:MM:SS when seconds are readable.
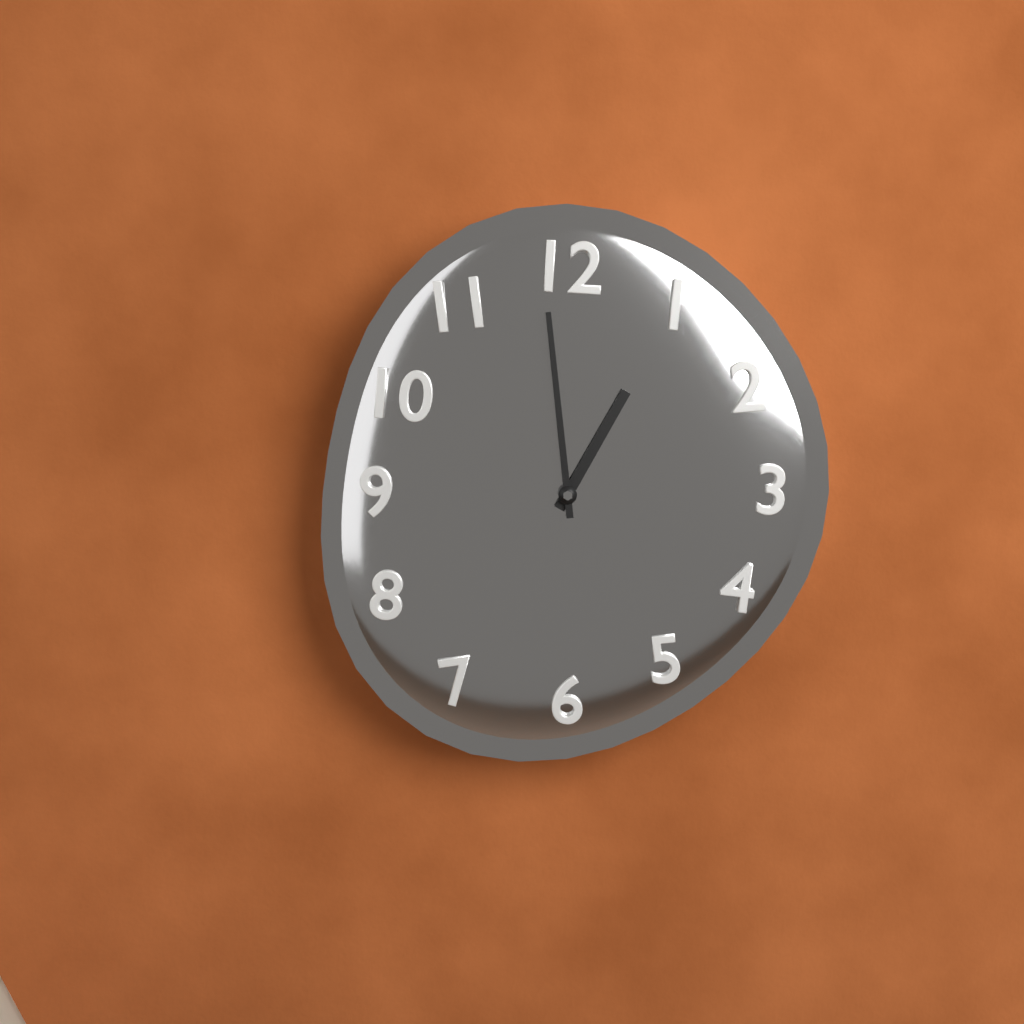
**12:59**
